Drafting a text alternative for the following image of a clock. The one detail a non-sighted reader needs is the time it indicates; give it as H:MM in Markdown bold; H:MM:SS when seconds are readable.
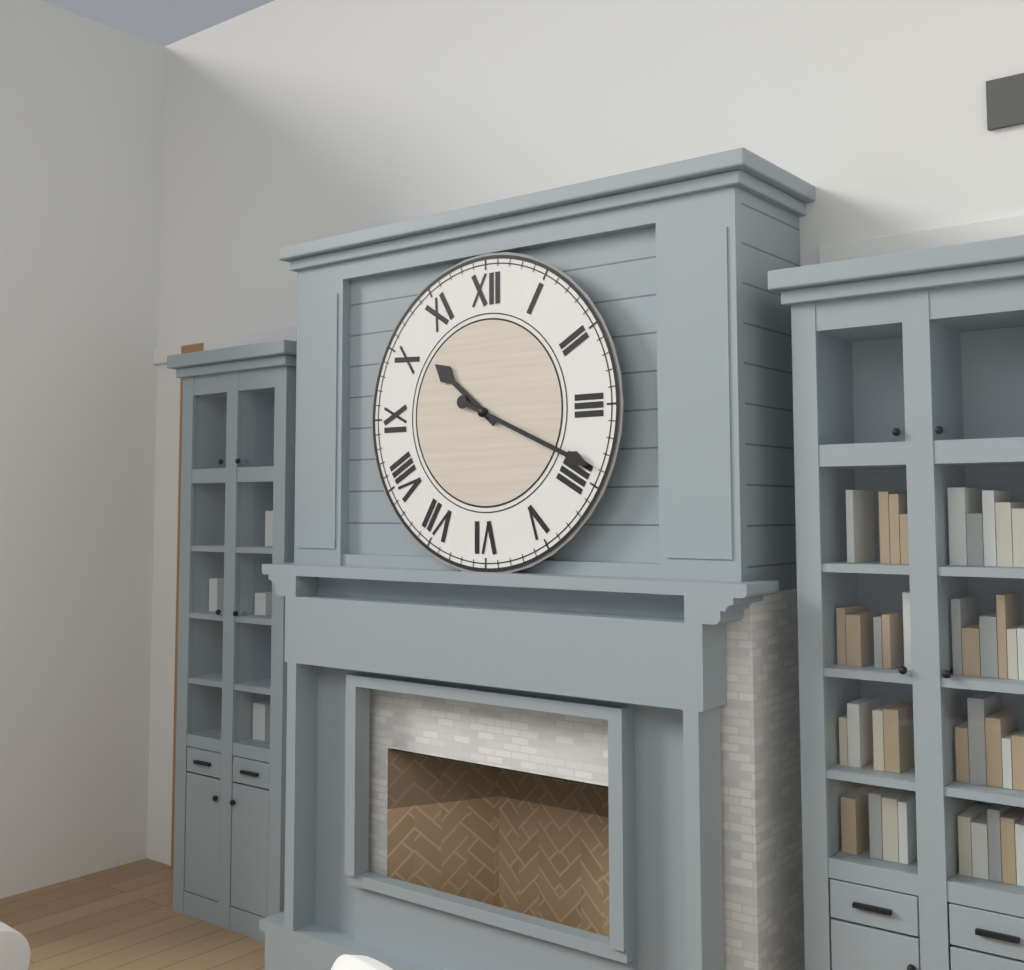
**10:19**
